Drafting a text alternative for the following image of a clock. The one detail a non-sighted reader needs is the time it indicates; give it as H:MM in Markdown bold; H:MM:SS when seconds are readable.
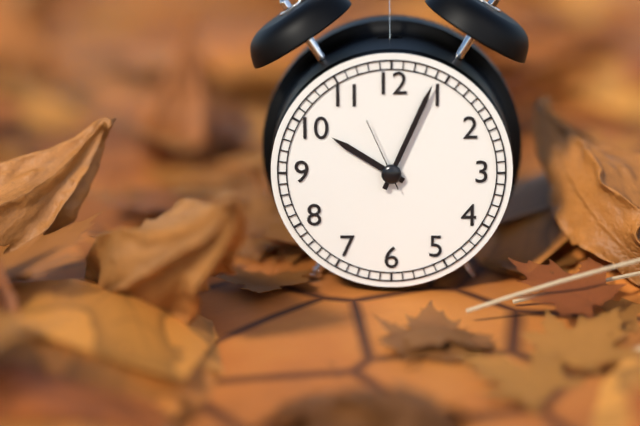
**10:04:56**
